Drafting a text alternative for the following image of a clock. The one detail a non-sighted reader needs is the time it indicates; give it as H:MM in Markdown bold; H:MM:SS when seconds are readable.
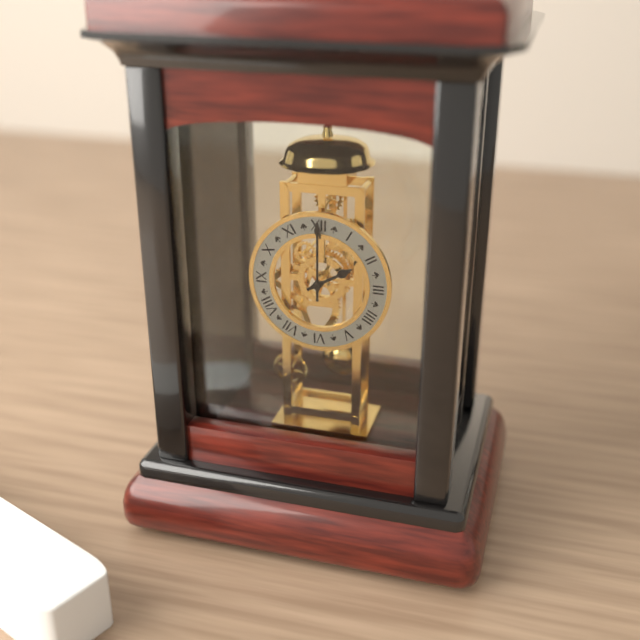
**2:00**
